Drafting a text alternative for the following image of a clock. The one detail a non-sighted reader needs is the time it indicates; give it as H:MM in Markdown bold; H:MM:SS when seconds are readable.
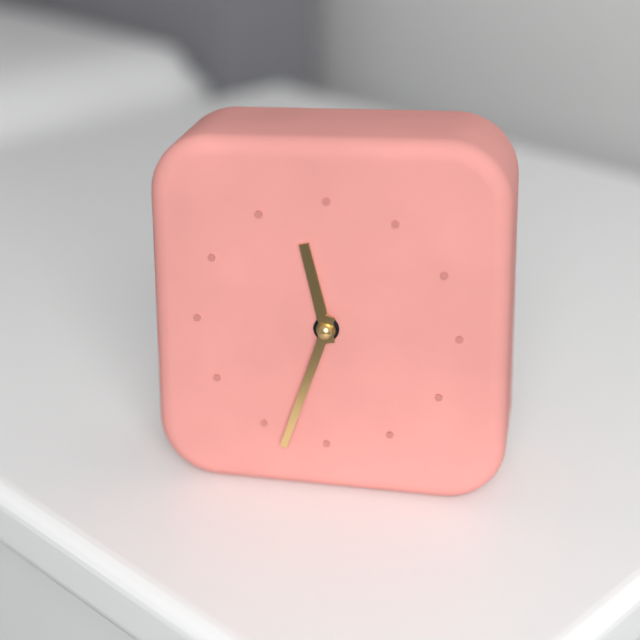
**11:33**
